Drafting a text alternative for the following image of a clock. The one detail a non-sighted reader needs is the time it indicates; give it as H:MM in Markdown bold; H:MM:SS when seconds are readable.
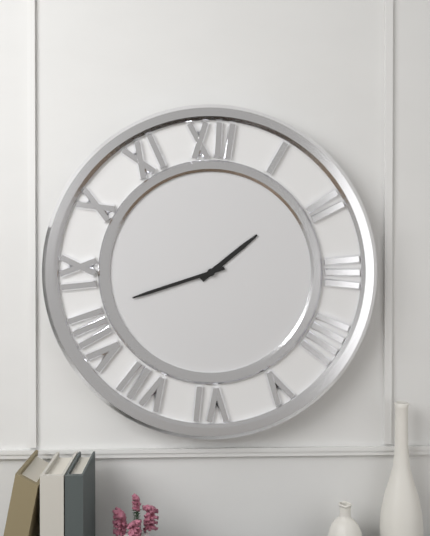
**1:42**
